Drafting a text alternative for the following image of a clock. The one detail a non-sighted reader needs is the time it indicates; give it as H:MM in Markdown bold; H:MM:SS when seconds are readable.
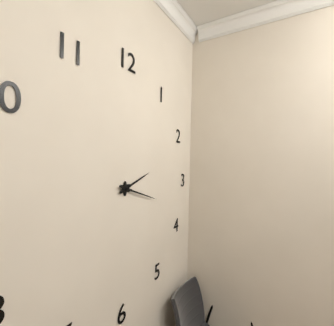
**2:18**
